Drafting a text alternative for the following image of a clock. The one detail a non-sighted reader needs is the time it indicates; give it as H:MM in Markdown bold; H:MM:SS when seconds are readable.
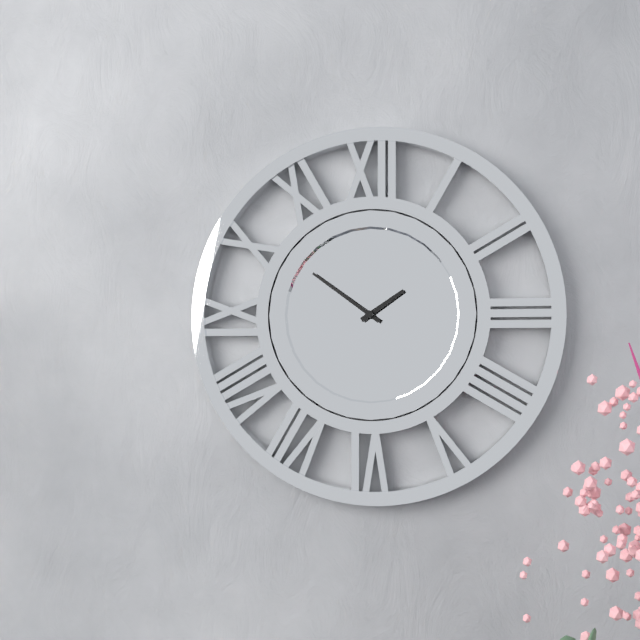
**1:51**
